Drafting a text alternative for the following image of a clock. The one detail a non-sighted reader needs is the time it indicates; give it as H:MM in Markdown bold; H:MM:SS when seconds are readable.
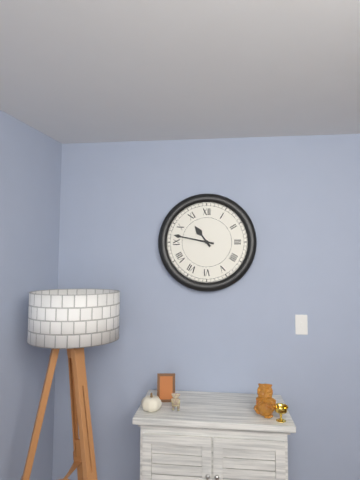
**10:47**
